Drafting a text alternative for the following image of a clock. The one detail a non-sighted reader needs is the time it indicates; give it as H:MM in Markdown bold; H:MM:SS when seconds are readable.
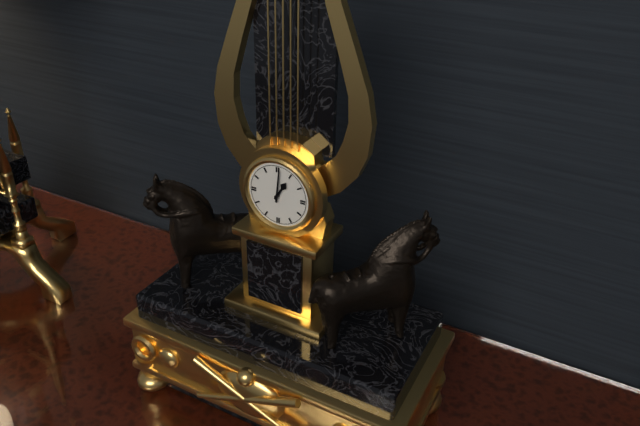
**1:01**
